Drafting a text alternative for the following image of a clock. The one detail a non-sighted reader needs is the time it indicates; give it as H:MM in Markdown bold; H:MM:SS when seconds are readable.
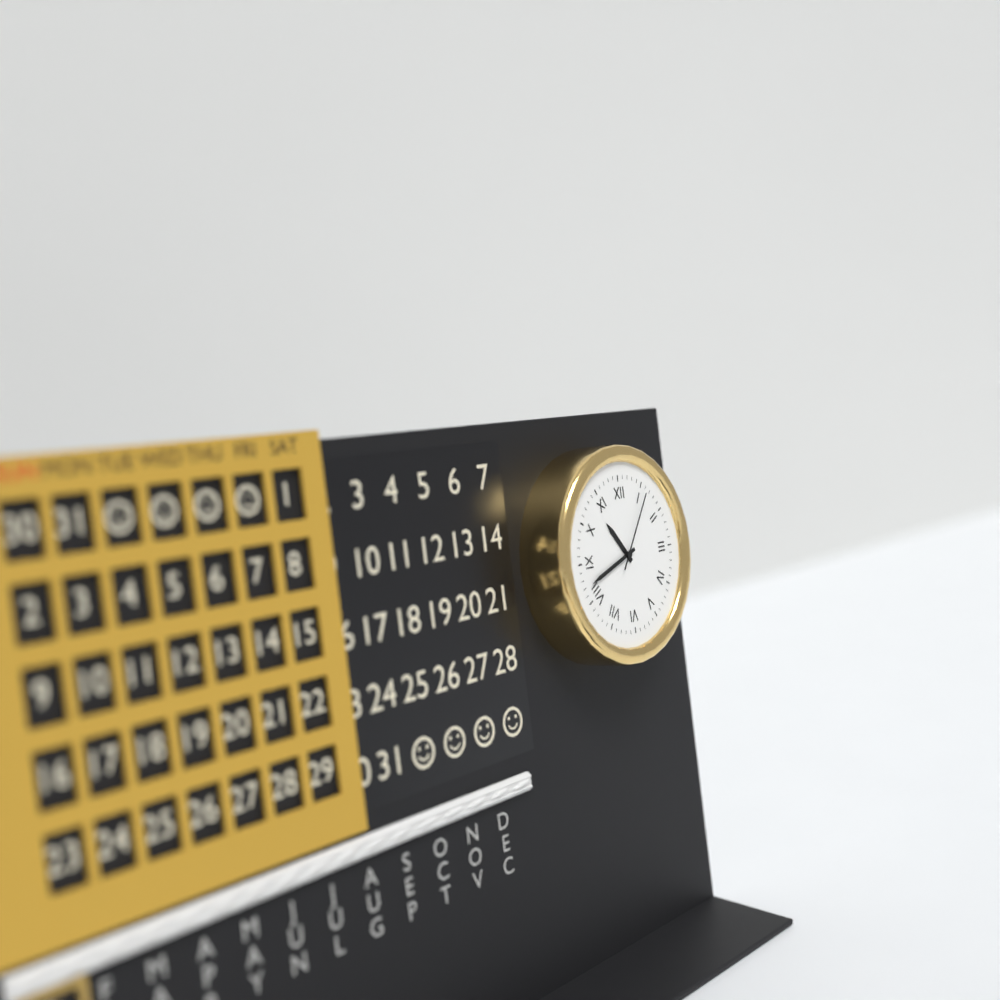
**10:42:06**
